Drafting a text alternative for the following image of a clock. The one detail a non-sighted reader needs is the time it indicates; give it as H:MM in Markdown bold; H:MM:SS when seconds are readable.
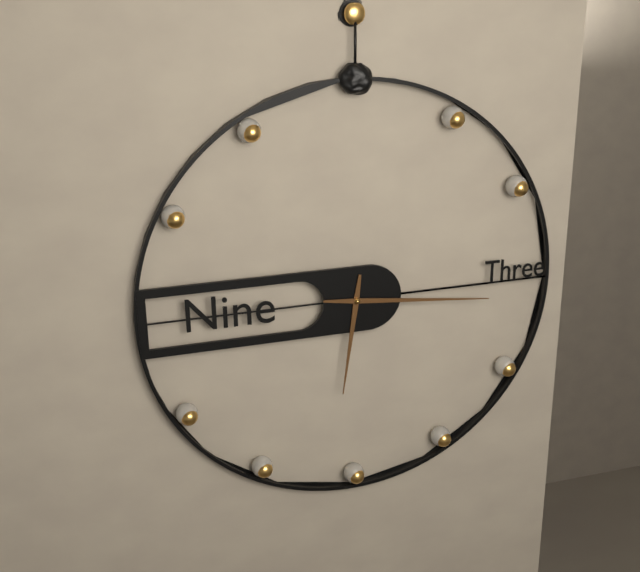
**6:16**
